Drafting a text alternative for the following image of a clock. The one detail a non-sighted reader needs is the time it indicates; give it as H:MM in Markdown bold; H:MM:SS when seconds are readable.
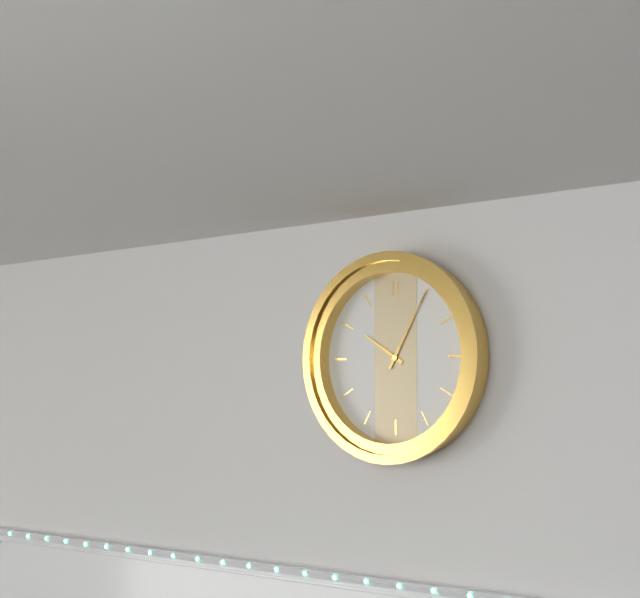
**10:05**
